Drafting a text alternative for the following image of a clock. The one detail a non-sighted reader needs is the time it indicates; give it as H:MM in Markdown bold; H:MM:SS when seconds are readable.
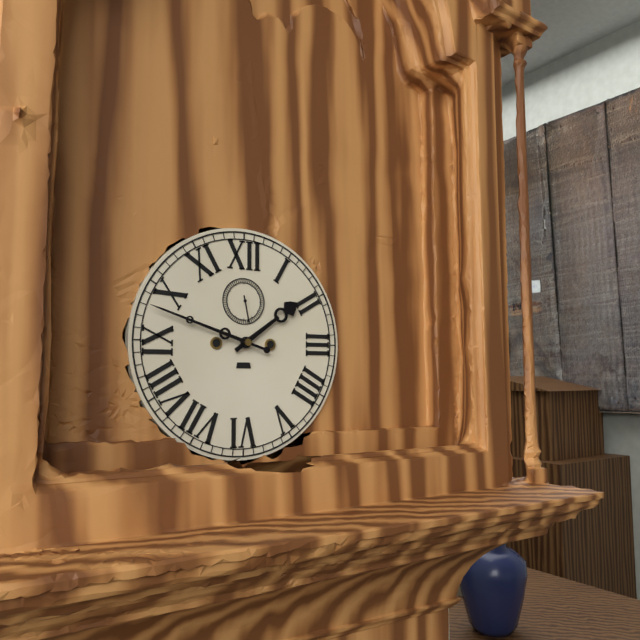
**1:48**
